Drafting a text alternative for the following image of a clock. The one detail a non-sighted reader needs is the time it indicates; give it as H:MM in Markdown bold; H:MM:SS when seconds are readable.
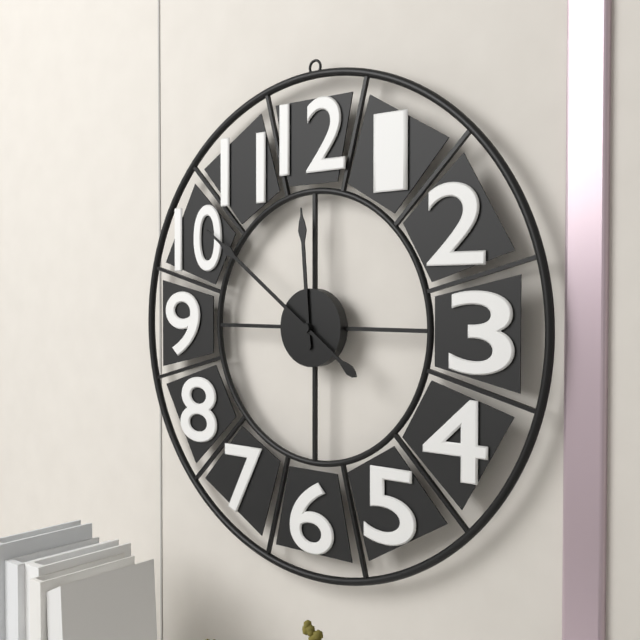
**11:51**
